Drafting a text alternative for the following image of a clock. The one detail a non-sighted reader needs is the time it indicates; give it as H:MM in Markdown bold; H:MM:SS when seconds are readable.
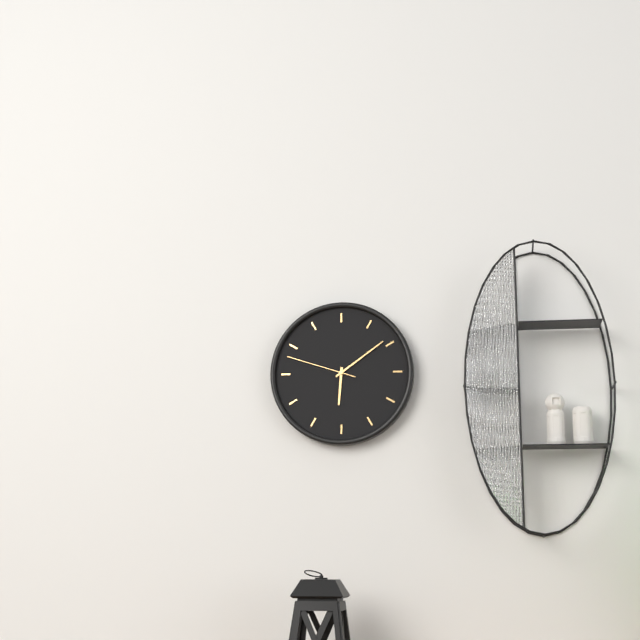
**6:09:48**
